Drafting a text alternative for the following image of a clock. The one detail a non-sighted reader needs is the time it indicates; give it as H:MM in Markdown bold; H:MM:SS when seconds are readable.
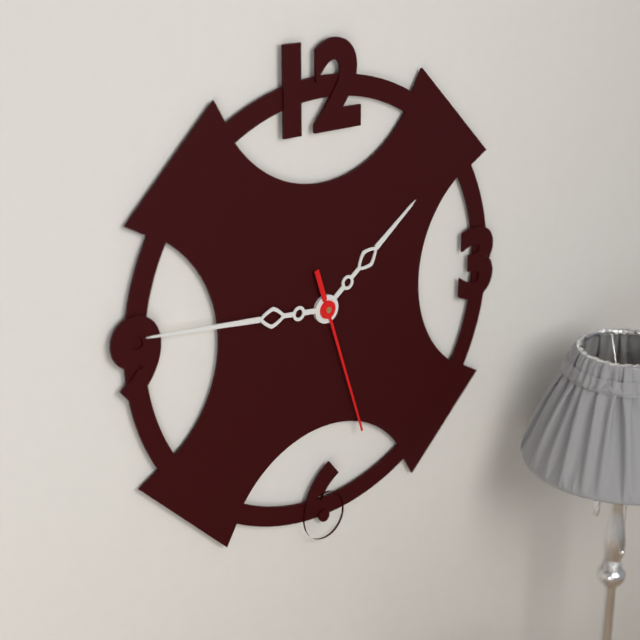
**1:46:27**
